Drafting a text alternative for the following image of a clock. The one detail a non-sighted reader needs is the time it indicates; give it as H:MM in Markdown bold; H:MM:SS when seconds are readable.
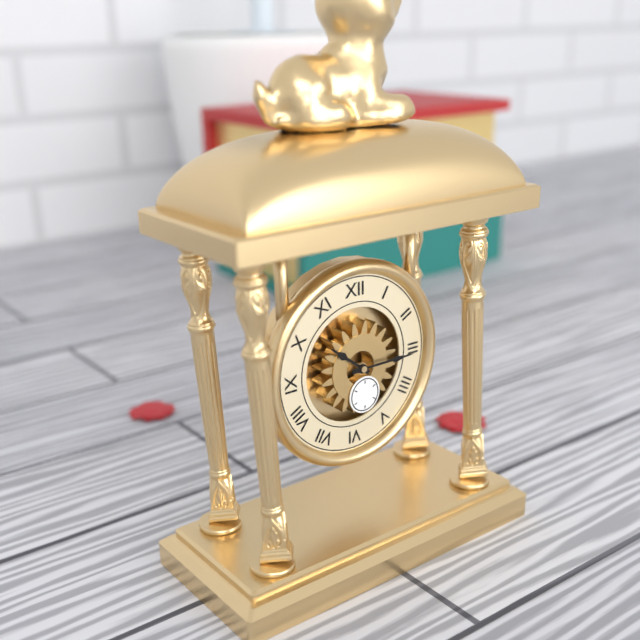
**10:15**
